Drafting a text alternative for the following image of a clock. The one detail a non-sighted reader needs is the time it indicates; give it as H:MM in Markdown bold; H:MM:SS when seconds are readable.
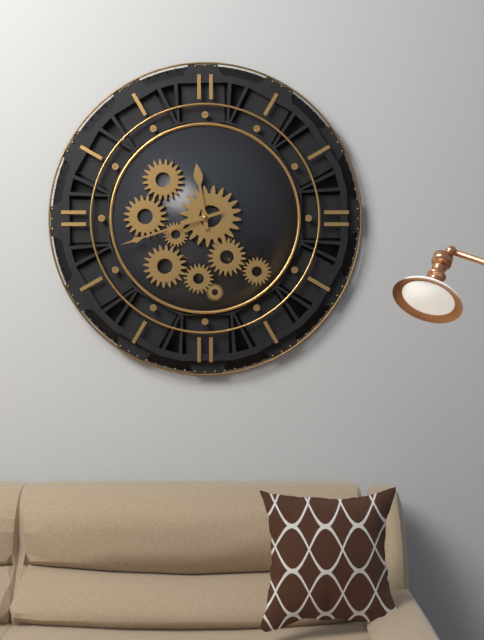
**11:42**
